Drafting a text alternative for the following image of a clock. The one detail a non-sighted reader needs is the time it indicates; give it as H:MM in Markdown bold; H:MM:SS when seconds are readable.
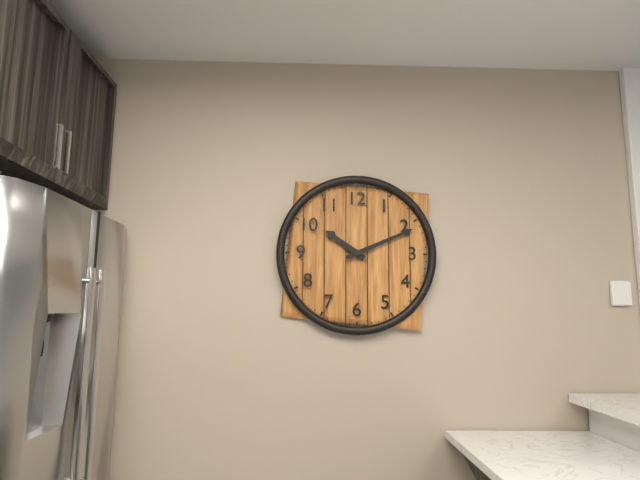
**10:11**
